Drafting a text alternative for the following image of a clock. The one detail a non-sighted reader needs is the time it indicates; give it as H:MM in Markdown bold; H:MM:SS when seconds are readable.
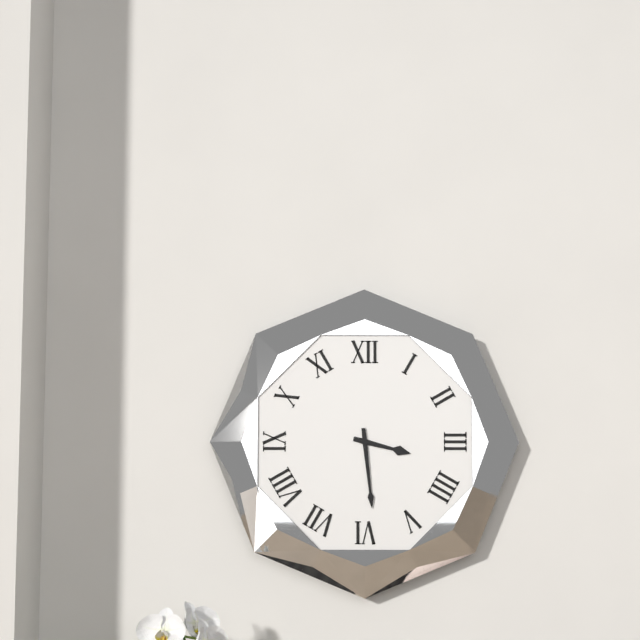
**3:29**
